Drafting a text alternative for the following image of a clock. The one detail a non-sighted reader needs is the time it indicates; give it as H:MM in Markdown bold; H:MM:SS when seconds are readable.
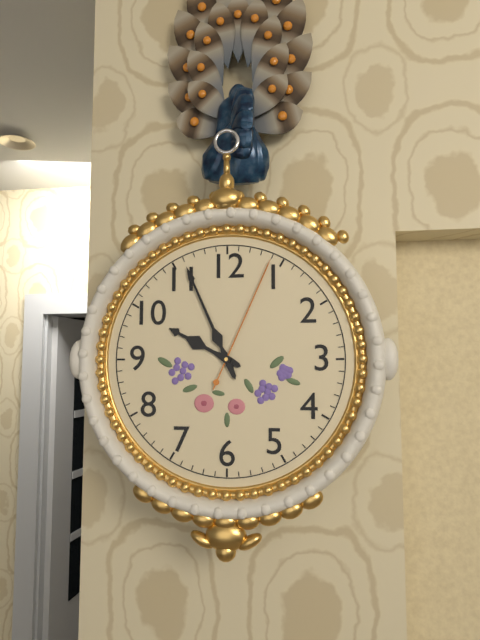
**9:56:04**
